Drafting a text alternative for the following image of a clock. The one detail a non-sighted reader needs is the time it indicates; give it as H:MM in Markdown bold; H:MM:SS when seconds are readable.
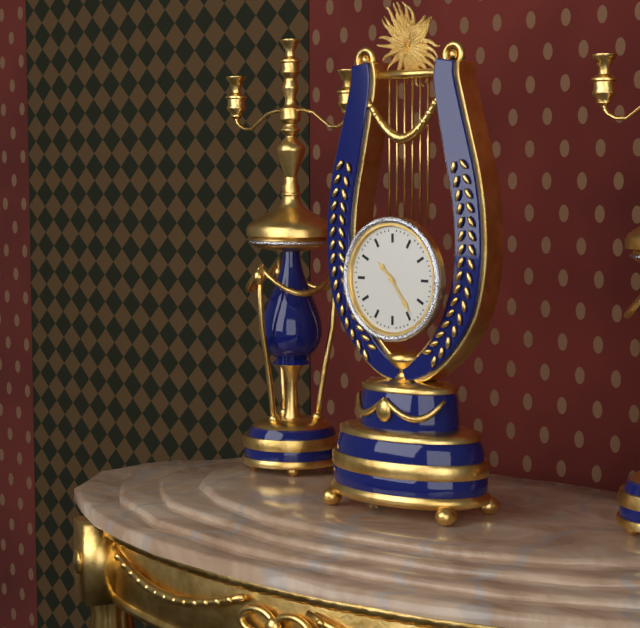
**10:24**
